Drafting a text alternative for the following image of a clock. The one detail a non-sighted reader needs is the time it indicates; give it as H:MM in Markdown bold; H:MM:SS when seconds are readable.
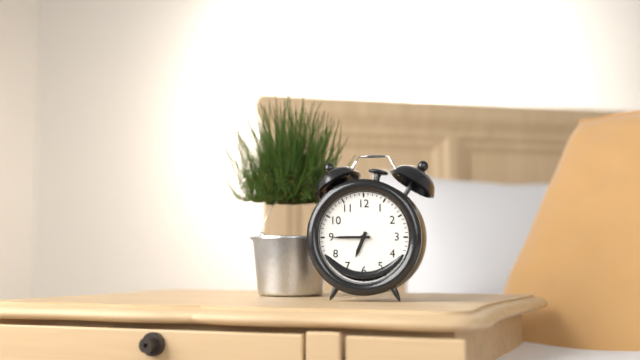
**6:45**
